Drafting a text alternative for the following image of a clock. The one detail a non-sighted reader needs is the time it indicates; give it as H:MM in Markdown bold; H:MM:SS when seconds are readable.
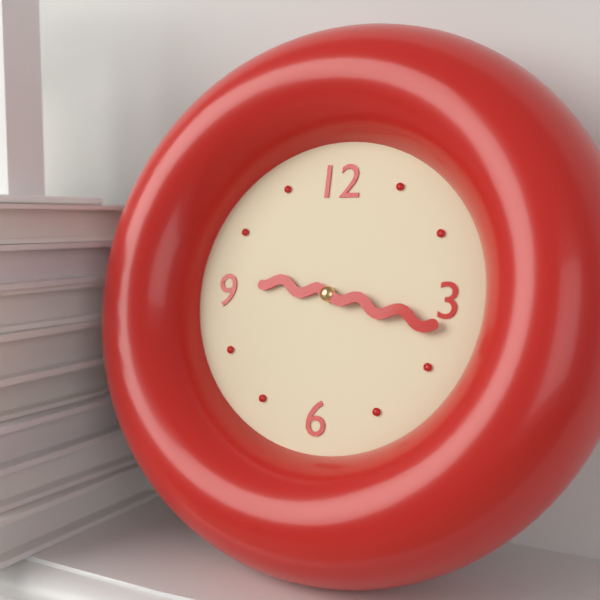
**9:17**
